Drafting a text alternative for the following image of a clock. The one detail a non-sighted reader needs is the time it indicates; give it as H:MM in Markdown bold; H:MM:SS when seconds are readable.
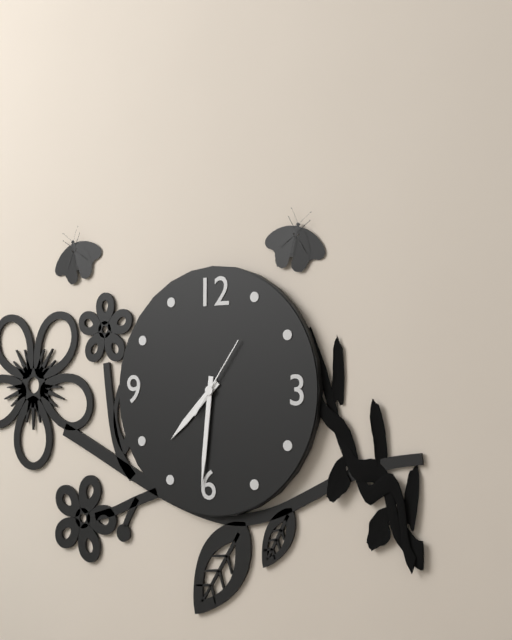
**7:31:06**
